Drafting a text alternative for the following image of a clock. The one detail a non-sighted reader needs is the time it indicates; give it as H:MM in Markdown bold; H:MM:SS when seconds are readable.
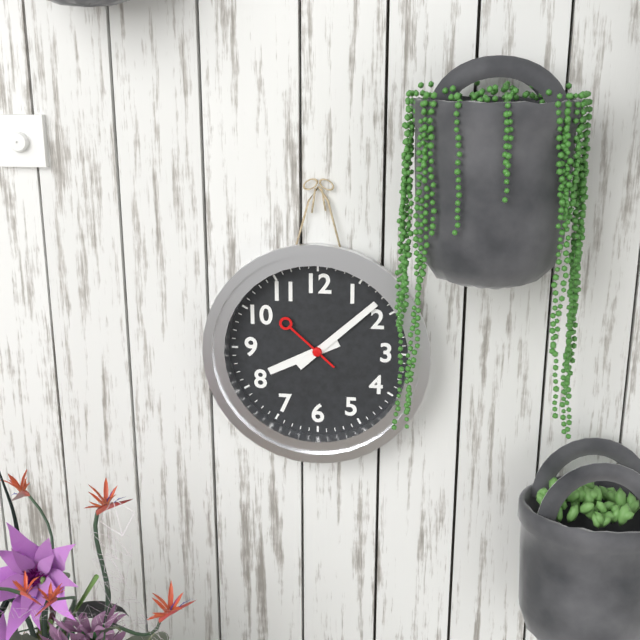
**8:08:52**
